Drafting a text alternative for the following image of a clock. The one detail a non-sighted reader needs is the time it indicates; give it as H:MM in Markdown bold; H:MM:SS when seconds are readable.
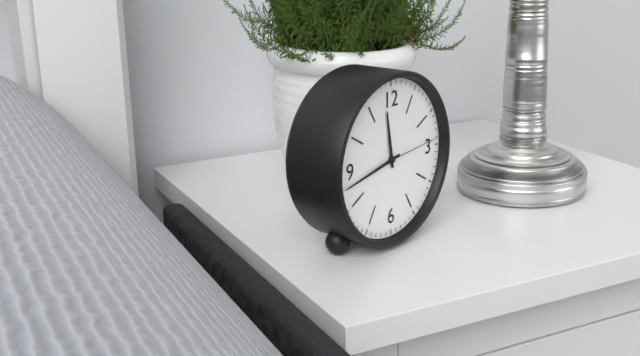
**11:43:14**
